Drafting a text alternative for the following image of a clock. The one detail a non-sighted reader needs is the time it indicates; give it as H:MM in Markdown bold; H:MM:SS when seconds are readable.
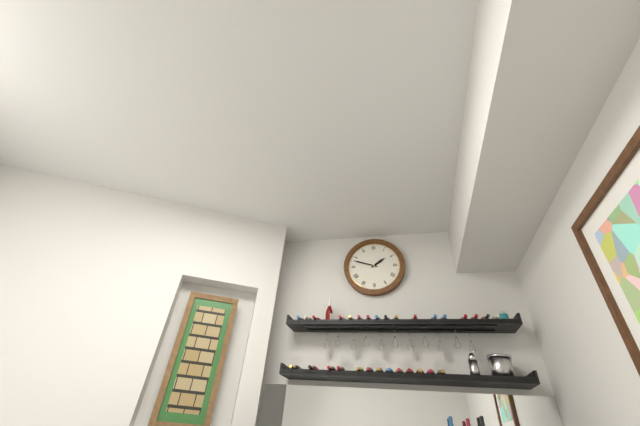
**1:48**
